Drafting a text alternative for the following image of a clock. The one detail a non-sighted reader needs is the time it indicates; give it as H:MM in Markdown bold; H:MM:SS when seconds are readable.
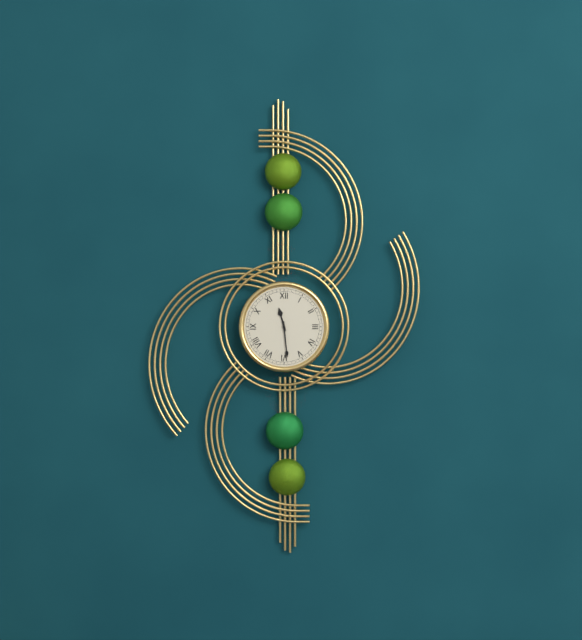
**11:29**
